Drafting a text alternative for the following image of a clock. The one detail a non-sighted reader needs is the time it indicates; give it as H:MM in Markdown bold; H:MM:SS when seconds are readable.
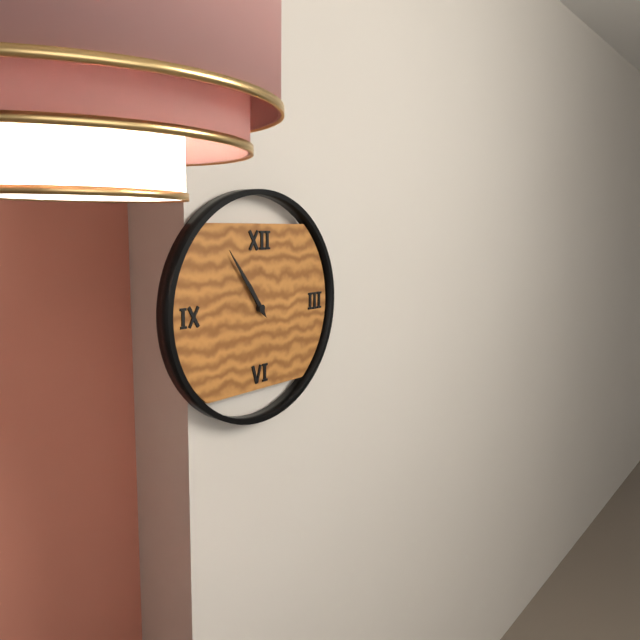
**10:54**
